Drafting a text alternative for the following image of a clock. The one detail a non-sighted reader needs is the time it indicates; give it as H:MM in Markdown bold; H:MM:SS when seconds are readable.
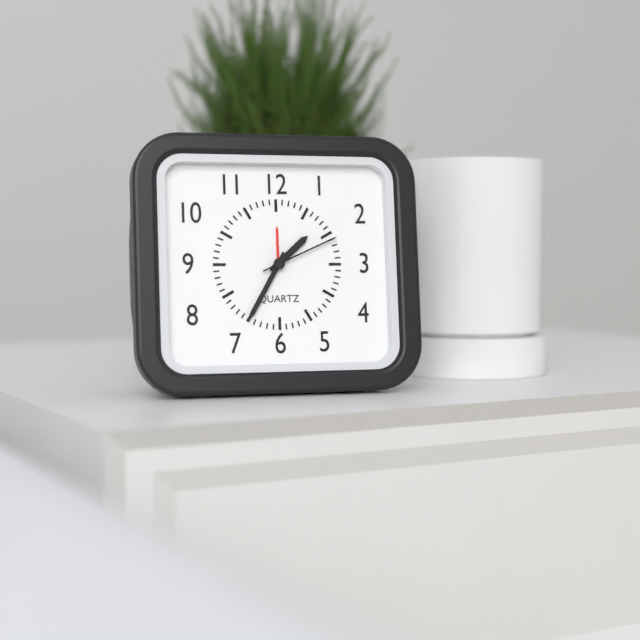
**1:35:11**
